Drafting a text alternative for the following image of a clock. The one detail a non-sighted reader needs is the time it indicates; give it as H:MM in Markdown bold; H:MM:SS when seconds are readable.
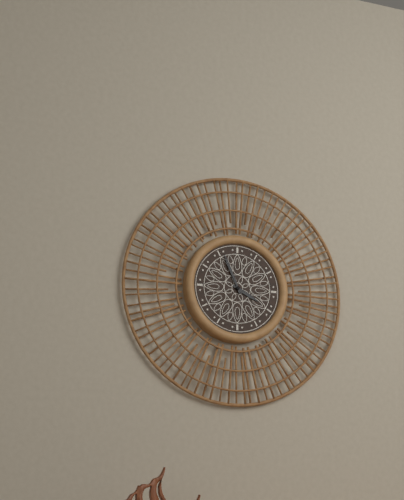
**3:56**
